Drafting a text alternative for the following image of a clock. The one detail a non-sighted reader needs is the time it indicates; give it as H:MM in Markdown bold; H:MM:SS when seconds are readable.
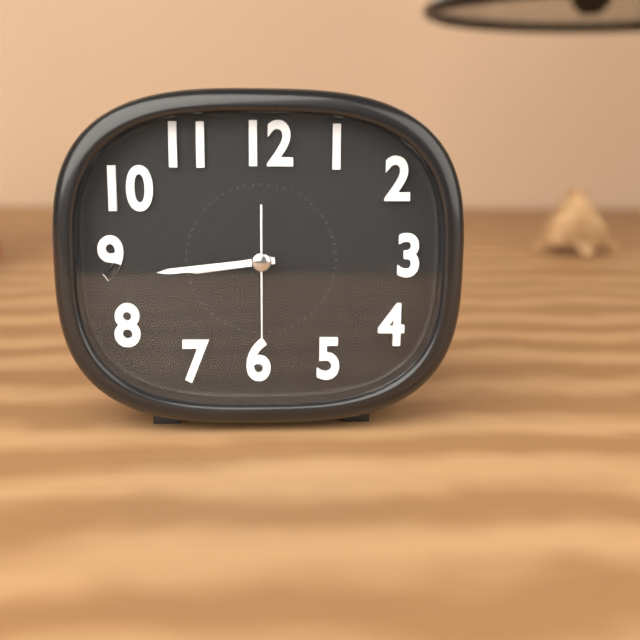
**8:44:30**
